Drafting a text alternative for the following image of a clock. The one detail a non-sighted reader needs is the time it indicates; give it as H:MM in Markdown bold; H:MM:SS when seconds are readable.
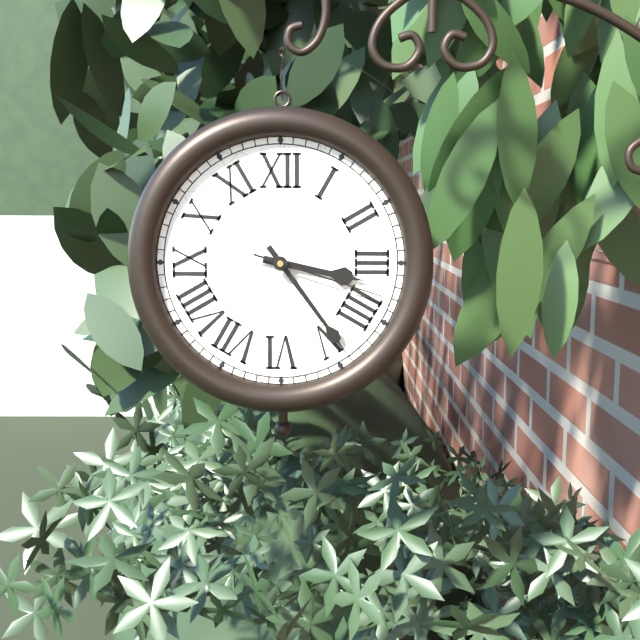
**3:24:18**
